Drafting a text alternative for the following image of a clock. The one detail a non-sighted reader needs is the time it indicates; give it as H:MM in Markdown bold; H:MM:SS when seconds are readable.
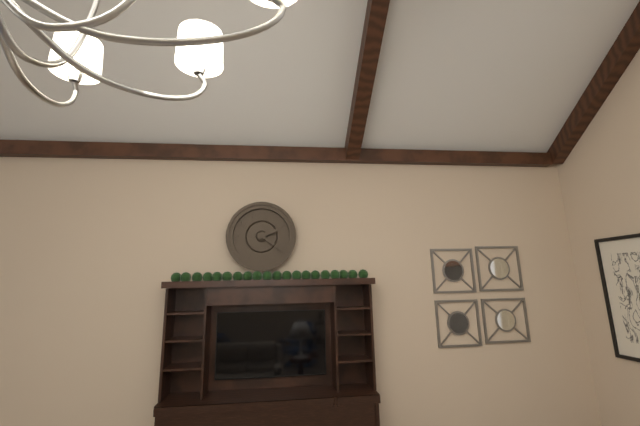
**2:21**
